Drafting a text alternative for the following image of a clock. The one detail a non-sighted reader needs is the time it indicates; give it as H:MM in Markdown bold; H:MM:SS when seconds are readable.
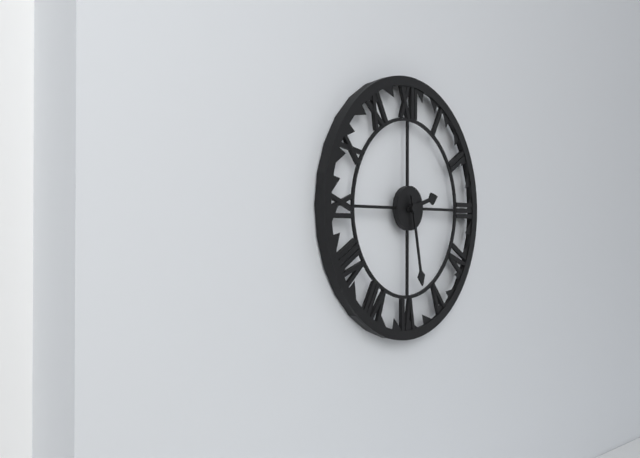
**2:28**
